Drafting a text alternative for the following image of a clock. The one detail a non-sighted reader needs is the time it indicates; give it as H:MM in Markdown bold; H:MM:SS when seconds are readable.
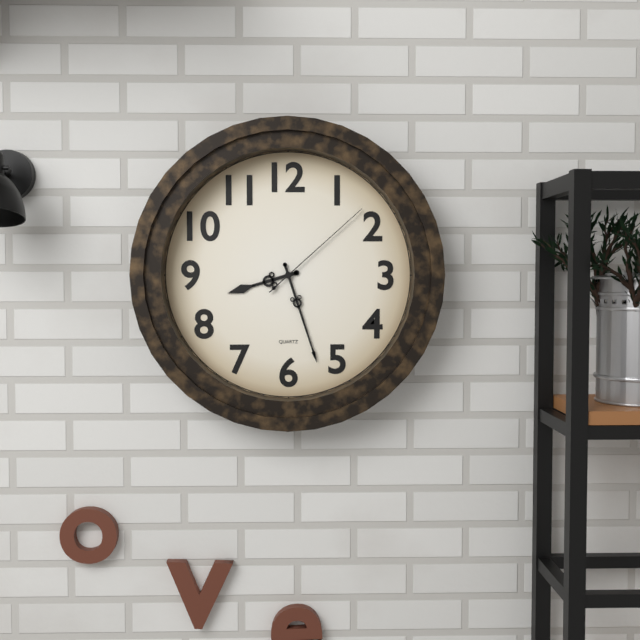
**8:27:08**
